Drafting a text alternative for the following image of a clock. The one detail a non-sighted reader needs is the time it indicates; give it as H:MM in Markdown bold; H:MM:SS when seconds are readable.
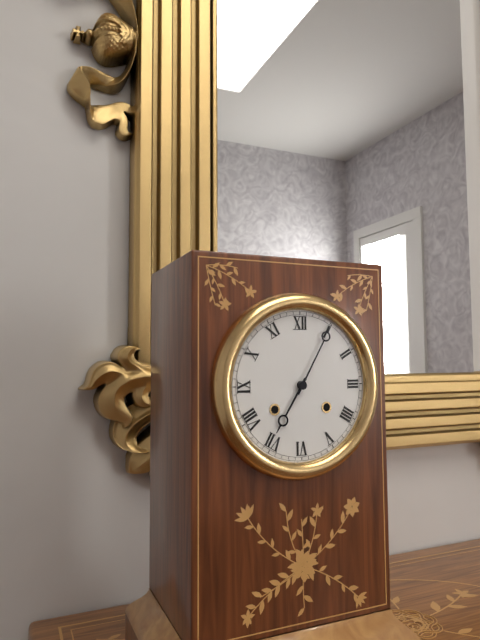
**7:05**
